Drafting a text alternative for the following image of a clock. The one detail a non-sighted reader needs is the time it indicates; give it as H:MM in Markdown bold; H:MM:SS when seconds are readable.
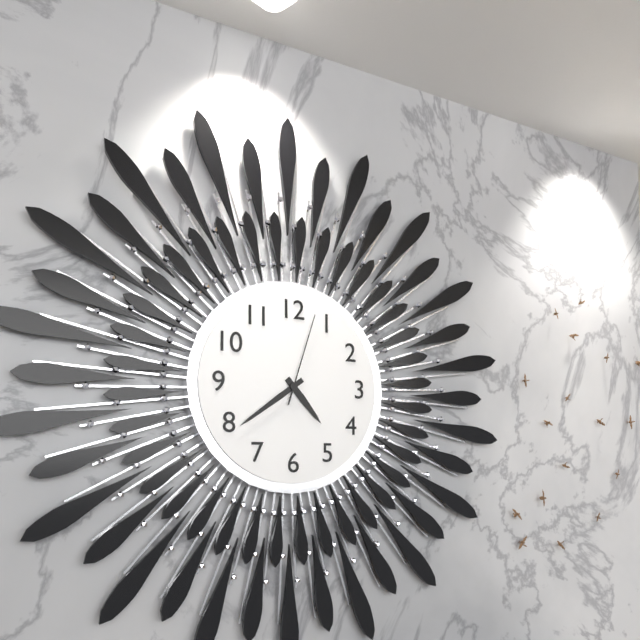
**4:39:03**
